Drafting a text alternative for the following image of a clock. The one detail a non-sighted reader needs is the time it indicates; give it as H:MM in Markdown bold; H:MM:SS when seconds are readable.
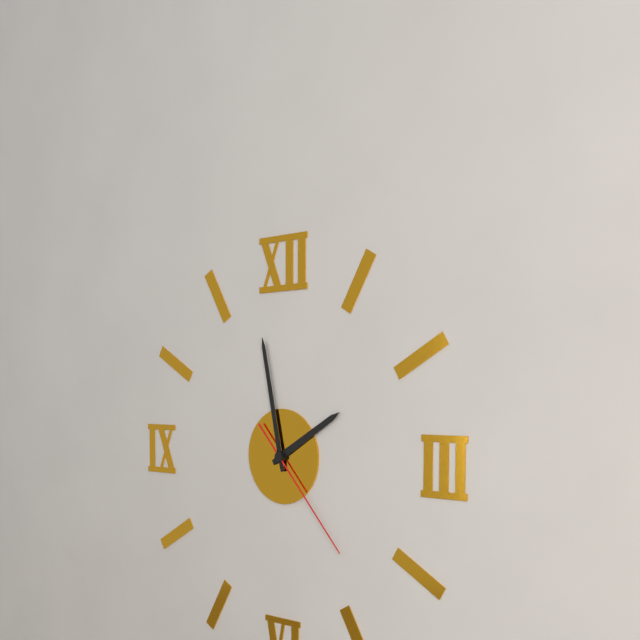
**1:58:23**
